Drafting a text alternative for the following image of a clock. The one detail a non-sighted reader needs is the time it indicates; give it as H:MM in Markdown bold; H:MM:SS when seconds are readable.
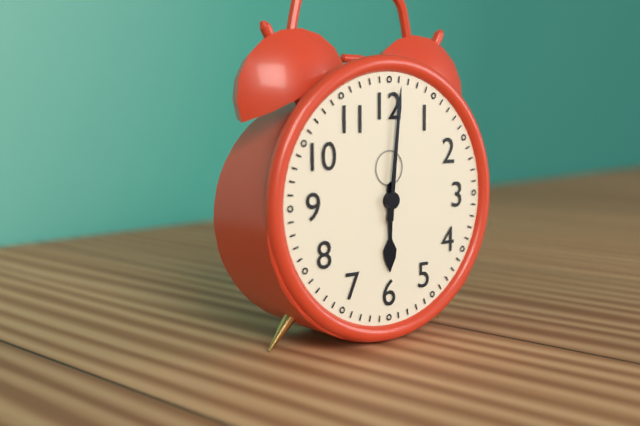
**6:01**
